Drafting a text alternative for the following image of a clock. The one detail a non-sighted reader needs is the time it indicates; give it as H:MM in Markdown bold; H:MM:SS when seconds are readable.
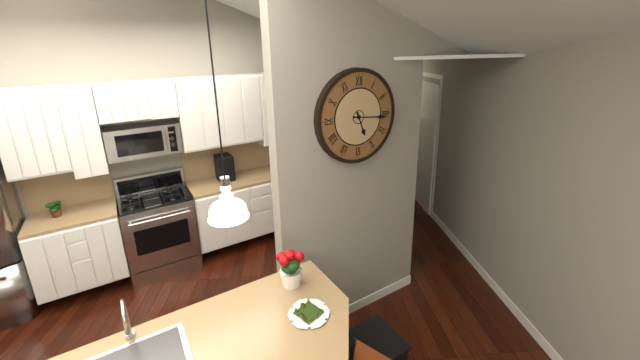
**5:16**
